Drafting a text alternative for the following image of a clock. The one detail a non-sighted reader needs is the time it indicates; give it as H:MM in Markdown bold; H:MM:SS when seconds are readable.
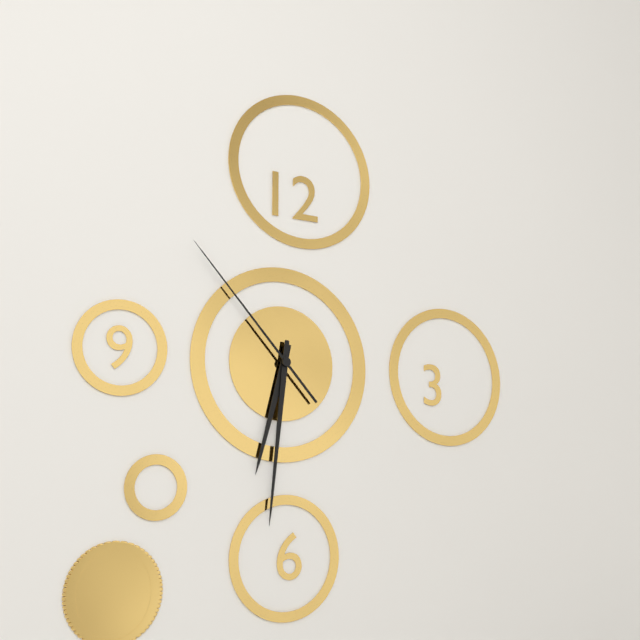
**6:31:53**
